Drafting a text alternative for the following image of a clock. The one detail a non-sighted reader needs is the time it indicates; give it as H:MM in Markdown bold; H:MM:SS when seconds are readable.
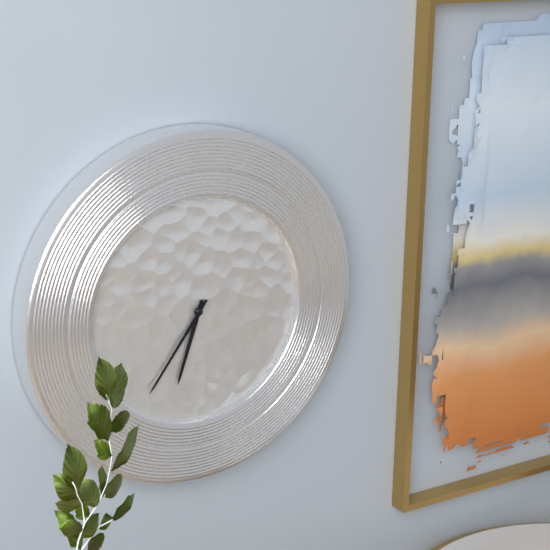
**6:36**
